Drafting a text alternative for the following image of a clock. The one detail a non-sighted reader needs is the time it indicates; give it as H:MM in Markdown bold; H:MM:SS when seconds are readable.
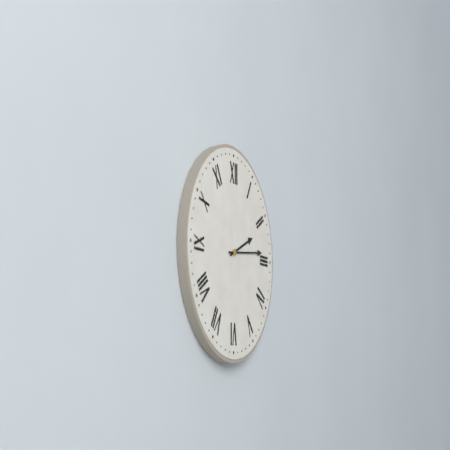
**2:14**
